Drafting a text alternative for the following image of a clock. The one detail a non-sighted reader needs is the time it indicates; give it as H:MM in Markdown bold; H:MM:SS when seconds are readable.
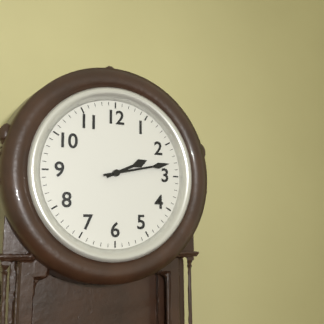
**2:13**
